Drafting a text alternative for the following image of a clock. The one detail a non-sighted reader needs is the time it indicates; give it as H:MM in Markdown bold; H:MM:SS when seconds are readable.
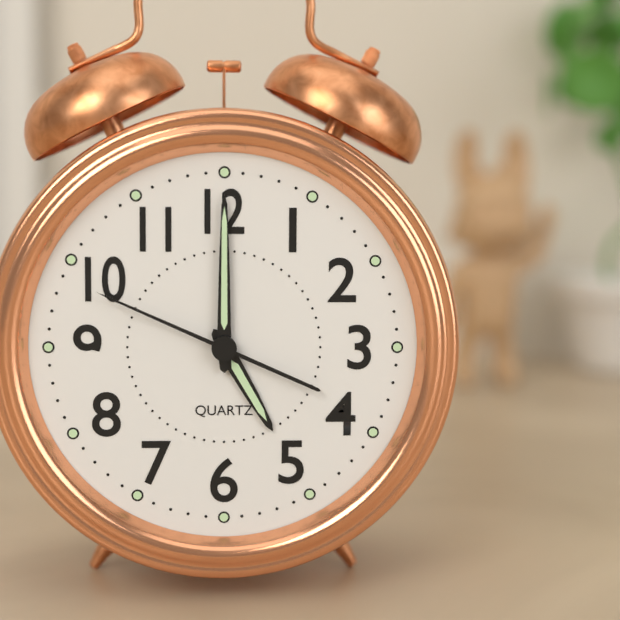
**5:00:49**
